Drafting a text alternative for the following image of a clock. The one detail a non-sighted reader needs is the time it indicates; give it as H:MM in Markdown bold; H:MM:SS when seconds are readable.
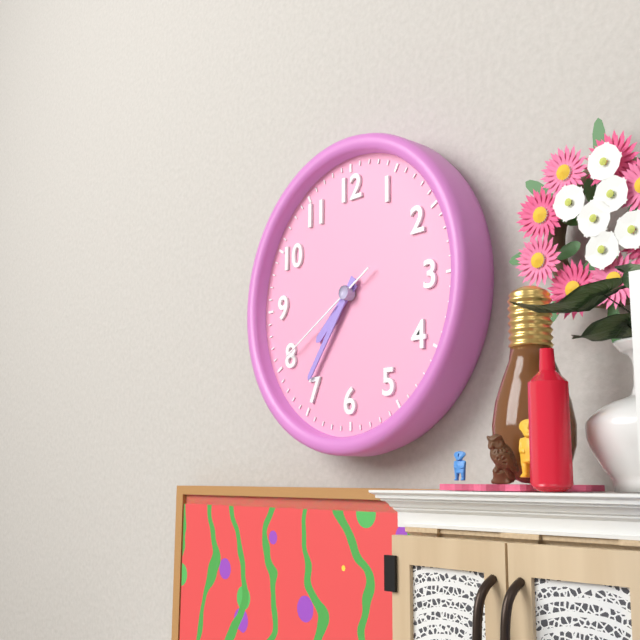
**7:36:40**
